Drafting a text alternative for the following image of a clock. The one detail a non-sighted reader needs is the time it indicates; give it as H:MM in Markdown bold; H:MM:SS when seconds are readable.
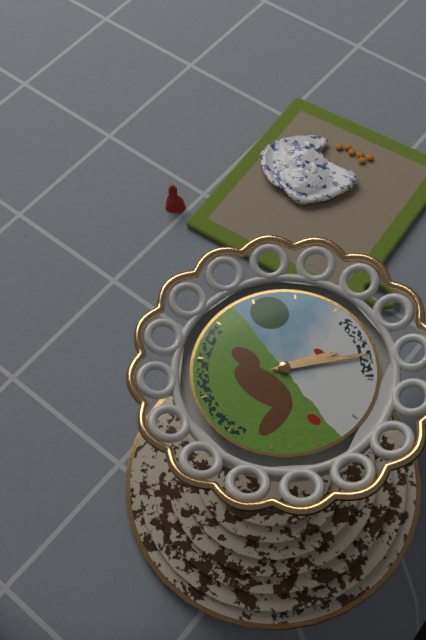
**1:07**
